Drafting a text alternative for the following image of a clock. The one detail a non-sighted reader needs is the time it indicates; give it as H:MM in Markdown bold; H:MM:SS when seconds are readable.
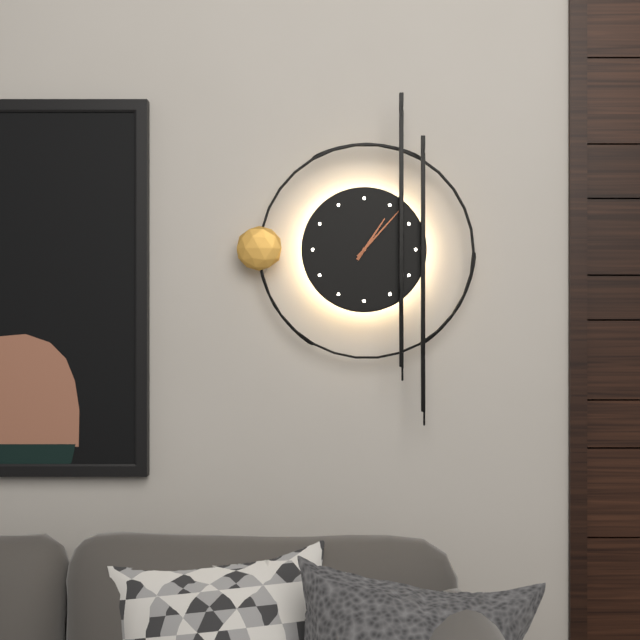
**1:07**
